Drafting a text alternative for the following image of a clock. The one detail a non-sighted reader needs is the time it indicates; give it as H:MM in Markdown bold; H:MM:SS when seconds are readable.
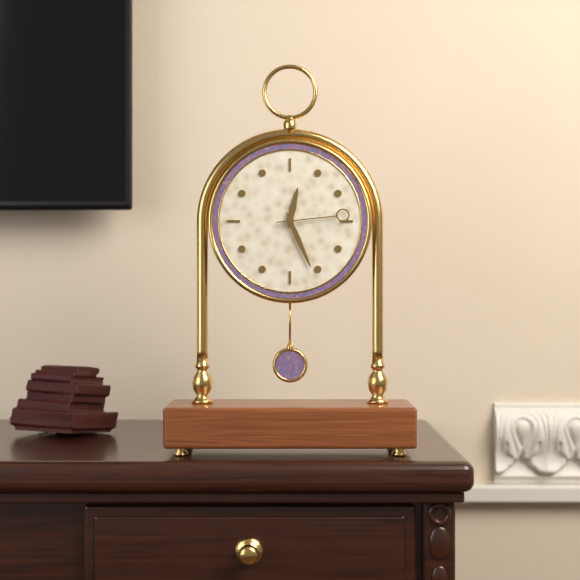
**12:26:14**
